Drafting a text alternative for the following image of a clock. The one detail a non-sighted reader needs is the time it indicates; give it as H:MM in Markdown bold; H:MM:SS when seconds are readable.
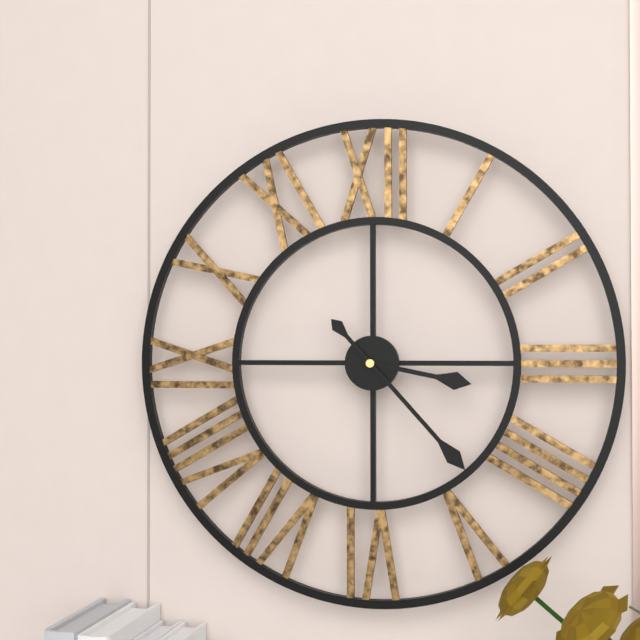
**3:23**
